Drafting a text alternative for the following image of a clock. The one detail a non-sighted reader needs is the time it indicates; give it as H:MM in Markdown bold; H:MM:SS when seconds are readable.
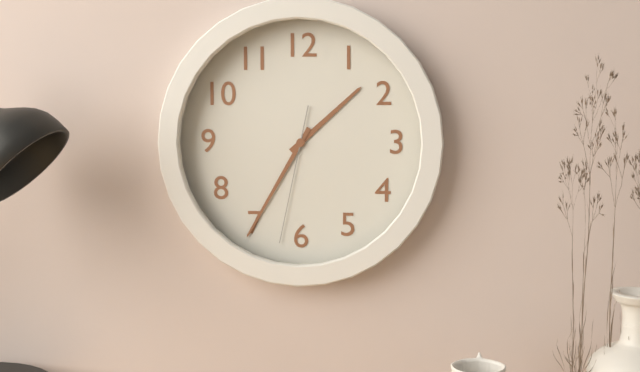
**1:35:32**
